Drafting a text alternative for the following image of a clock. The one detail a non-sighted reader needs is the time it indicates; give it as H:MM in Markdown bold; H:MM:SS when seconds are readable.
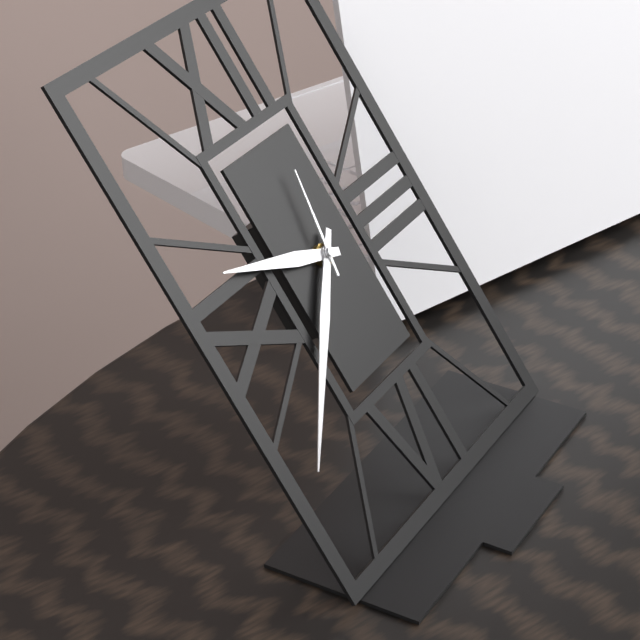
**9:38:02**
